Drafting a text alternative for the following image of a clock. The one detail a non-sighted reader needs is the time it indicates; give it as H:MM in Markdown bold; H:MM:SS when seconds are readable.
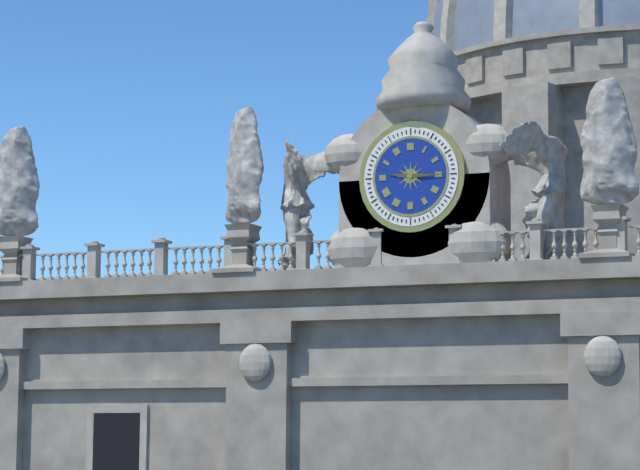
**9:15**
